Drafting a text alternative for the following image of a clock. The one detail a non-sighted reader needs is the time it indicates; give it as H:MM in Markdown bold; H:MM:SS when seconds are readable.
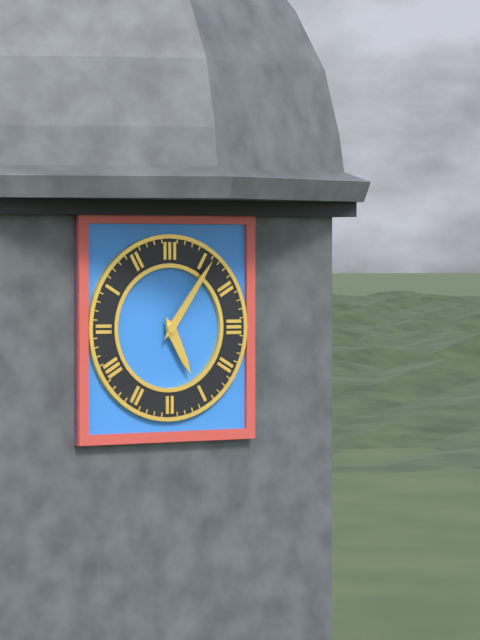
**5:06**
